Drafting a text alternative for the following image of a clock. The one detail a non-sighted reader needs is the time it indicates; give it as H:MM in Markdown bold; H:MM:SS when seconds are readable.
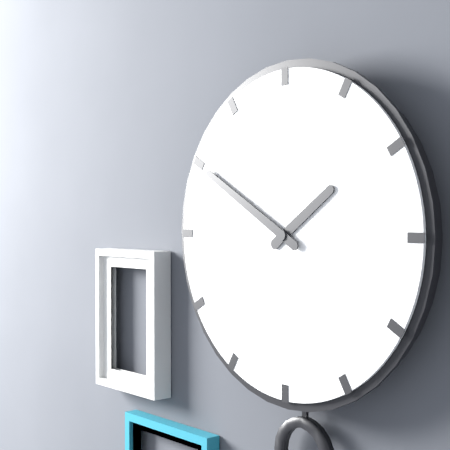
**1:50**
